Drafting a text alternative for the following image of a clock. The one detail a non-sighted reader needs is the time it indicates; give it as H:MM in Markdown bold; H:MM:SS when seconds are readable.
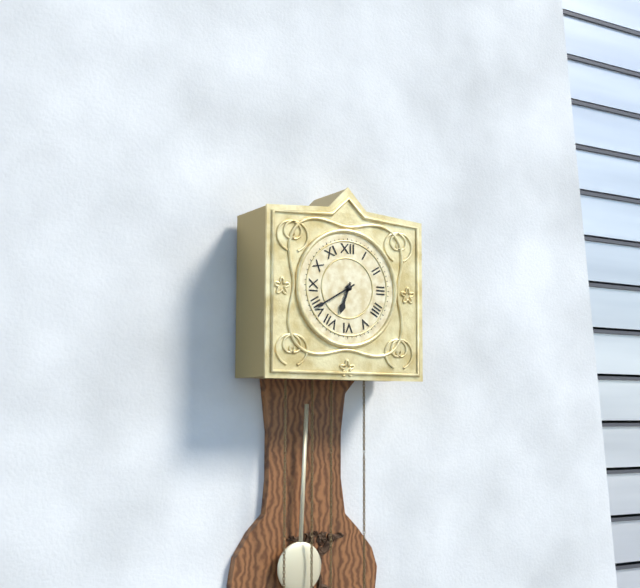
**6:40**
